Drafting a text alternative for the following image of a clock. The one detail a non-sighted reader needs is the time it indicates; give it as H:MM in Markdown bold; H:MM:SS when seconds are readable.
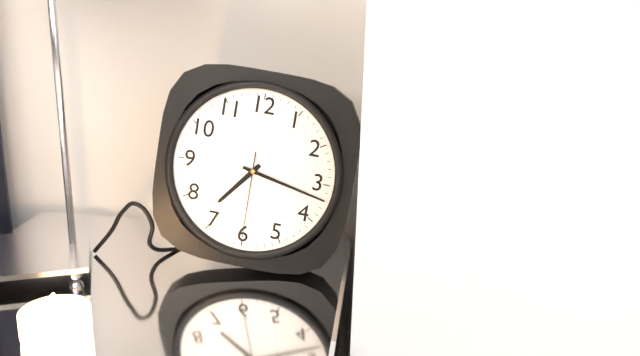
**7:17:30**
